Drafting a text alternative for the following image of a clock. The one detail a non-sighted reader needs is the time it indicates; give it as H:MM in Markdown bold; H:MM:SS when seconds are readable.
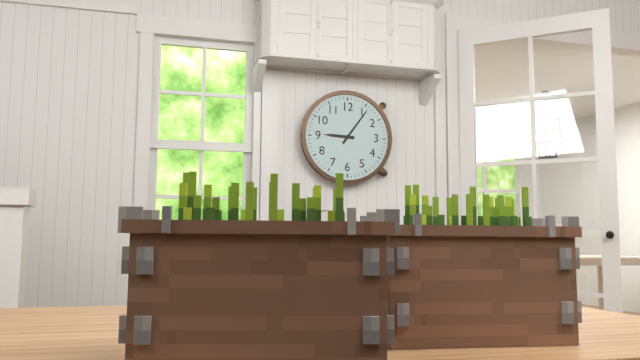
**9:06**
